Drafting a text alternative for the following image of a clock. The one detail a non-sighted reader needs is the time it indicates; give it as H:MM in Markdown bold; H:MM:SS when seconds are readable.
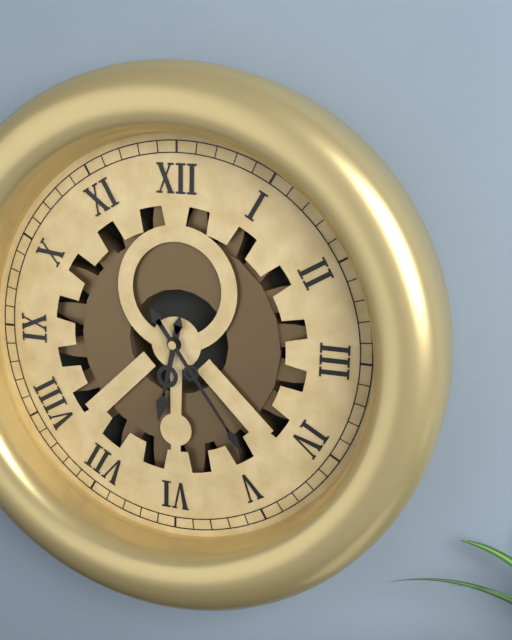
**6:24**
